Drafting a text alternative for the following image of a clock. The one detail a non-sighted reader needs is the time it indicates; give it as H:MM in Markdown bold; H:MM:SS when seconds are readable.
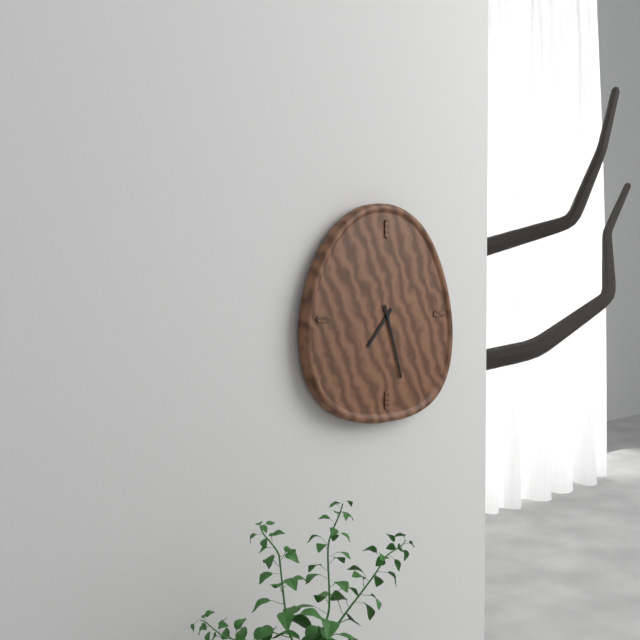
**7:27**
